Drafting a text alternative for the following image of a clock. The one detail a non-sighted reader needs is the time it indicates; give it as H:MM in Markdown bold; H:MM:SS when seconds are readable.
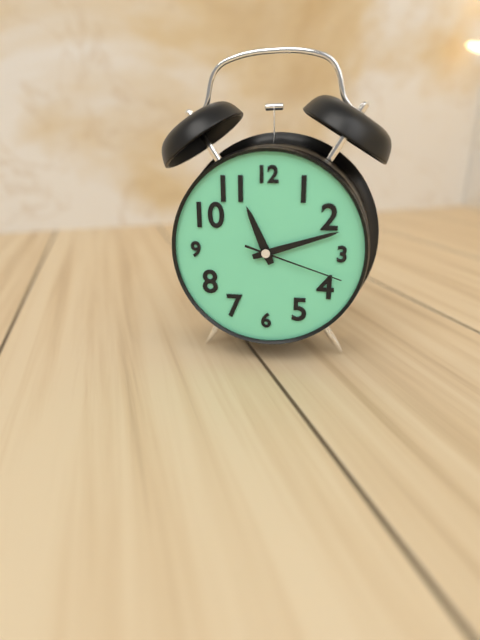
**11:12:18**
